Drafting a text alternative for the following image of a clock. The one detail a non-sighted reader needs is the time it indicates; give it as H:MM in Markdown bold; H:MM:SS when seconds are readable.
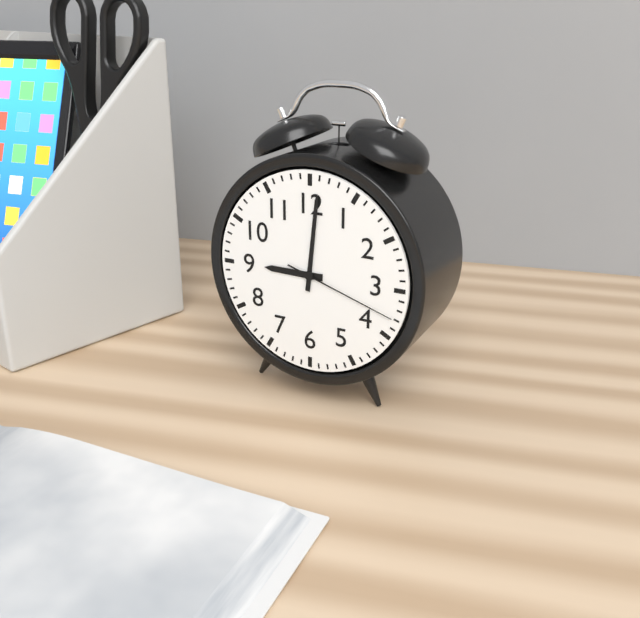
**9:01:18**
